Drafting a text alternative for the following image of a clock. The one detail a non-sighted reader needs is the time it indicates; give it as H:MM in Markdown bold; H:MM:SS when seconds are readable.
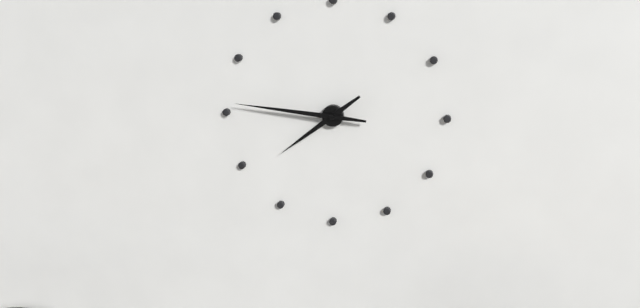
**7:46**
